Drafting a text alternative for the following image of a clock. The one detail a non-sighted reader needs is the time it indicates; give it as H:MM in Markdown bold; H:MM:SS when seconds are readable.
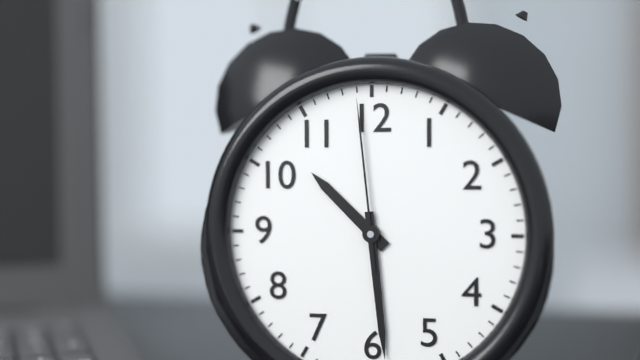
**10:29:59**
